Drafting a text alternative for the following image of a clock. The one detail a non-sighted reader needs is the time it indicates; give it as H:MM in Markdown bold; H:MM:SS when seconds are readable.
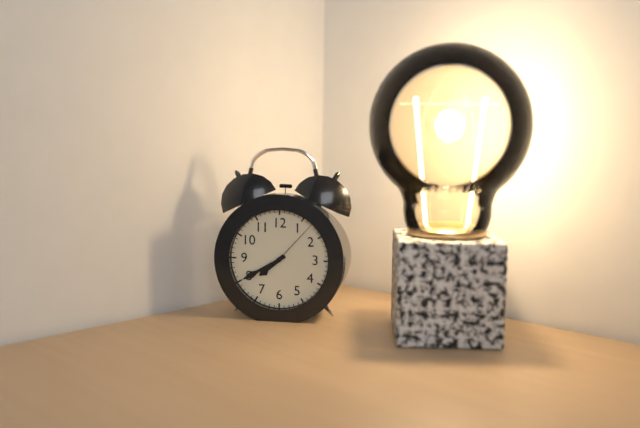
**7:40:07**
